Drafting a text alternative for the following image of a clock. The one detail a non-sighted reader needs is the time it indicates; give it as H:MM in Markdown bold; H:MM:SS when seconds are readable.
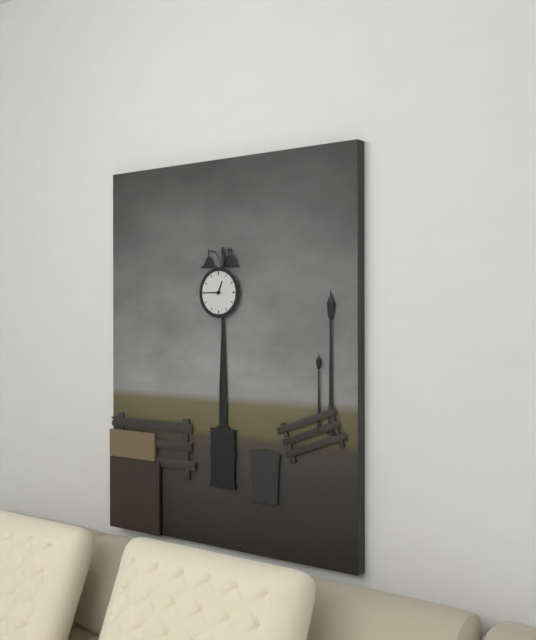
**12:45**
